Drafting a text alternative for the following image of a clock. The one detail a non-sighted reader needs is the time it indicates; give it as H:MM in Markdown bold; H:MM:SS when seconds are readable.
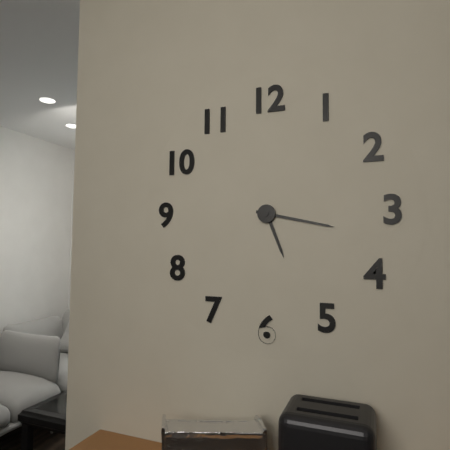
**5:17**
